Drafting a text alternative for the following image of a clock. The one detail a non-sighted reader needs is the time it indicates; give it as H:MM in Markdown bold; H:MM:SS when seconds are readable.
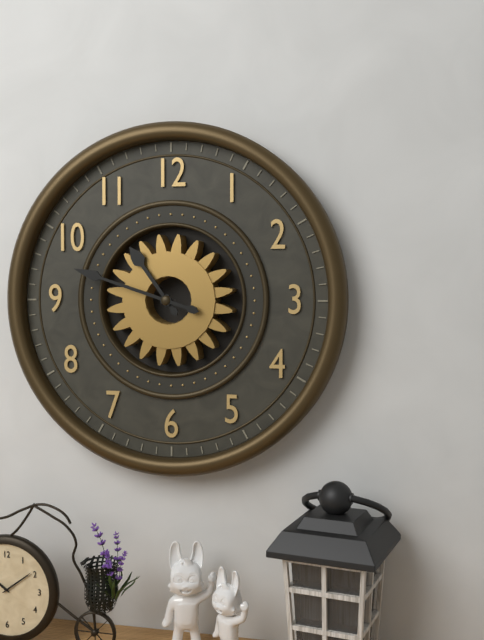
**10:48**
